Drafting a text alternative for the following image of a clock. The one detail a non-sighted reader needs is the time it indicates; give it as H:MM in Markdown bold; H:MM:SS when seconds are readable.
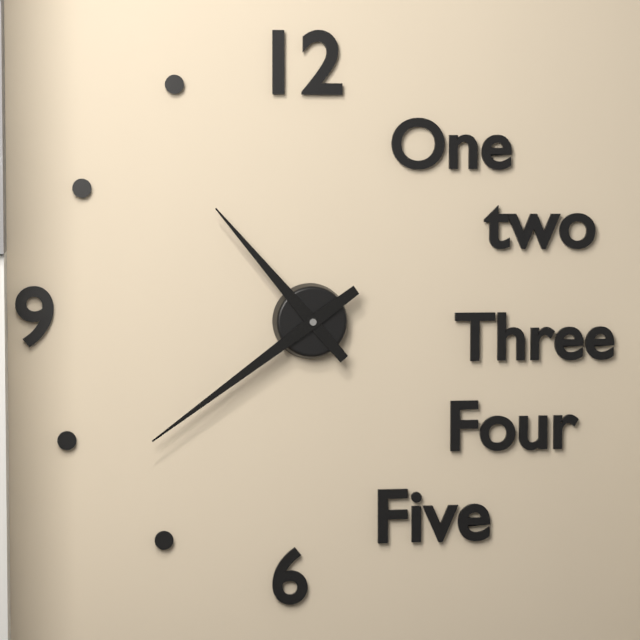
**10:39**
